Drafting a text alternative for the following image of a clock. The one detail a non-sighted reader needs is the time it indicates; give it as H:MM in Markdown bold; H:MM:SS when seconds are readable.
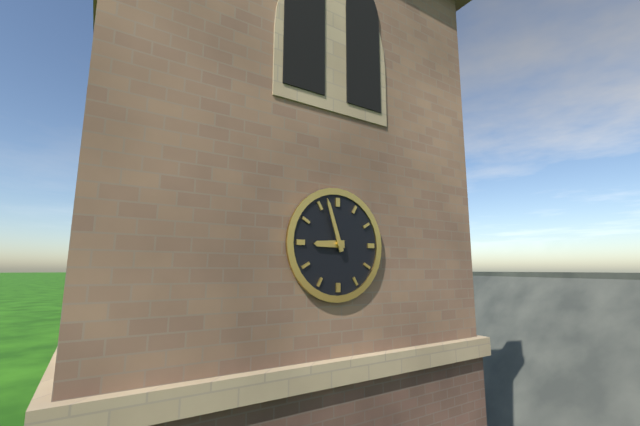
**8:57**
